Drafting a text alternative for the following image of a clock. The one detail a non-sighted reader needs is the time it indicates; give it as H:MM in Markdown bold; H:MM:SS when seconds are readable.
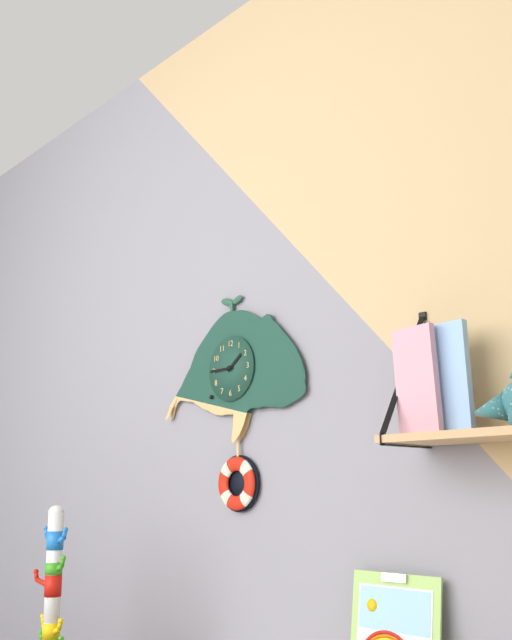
**1:45**
